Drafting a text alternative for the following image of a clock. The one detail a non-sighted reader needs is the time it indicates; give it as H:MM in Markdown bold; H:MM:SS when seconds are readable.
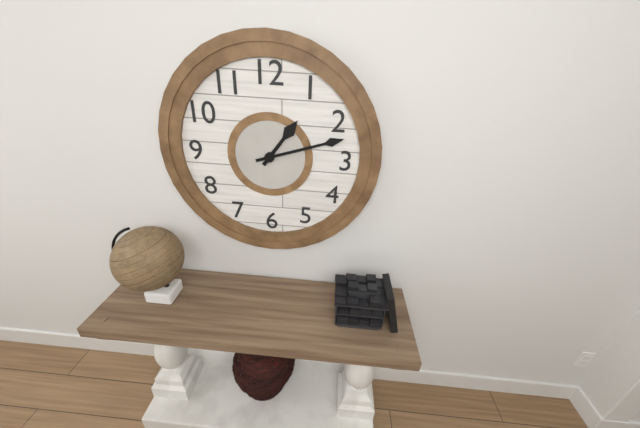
**1:12**
